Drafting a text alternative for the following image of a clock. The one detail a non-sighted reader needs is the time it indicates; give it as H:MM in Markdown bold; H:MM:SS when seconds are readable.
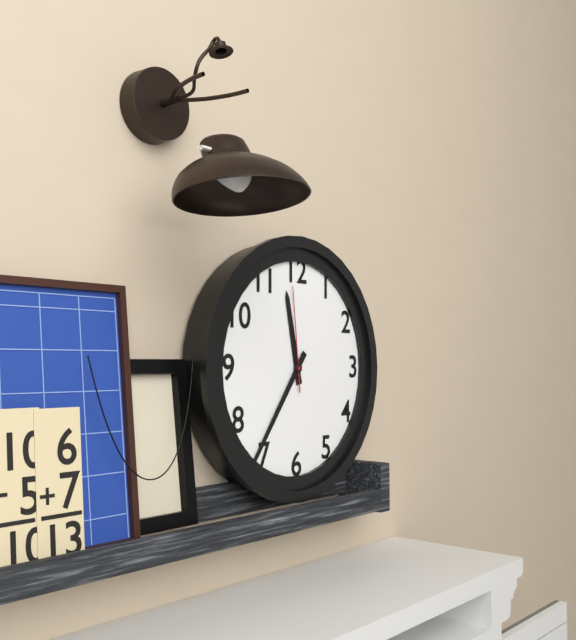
**11:36:59**
